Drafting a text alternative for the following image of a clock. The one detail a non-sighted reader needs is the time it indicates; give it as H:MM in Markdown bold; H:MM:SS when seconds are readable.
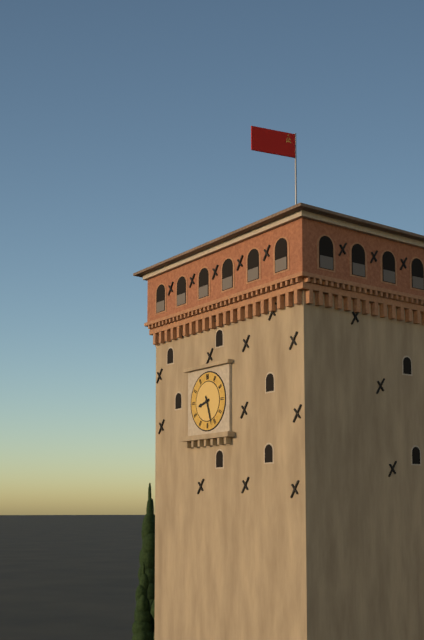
**8:27**
